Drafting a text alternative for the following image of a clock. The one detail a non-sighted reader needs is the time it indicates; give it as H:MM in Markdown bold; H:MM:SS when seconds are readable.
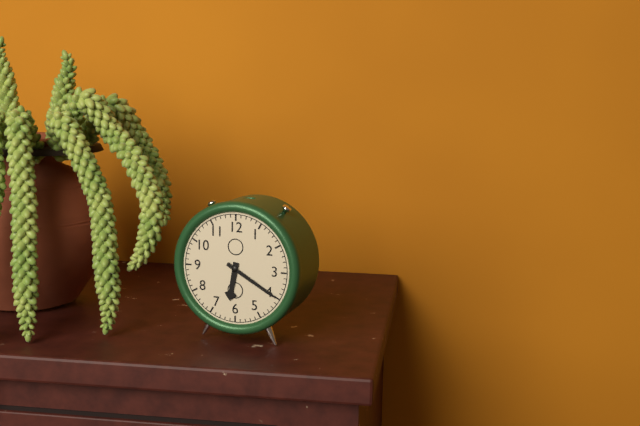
**6:20**
